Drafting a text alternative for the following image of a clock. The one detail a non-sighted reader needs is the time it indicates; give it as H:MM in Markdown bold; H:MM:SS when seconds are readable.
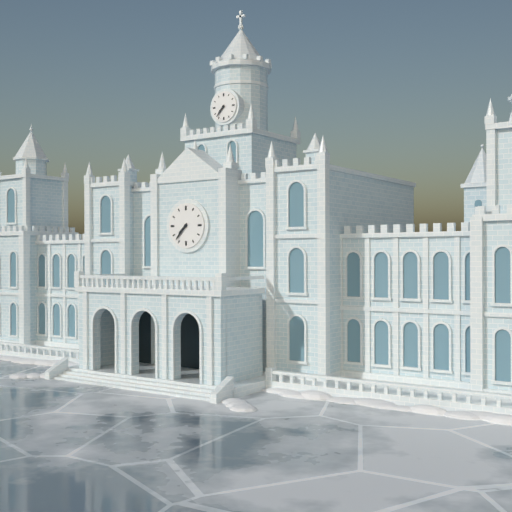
**7:37**
